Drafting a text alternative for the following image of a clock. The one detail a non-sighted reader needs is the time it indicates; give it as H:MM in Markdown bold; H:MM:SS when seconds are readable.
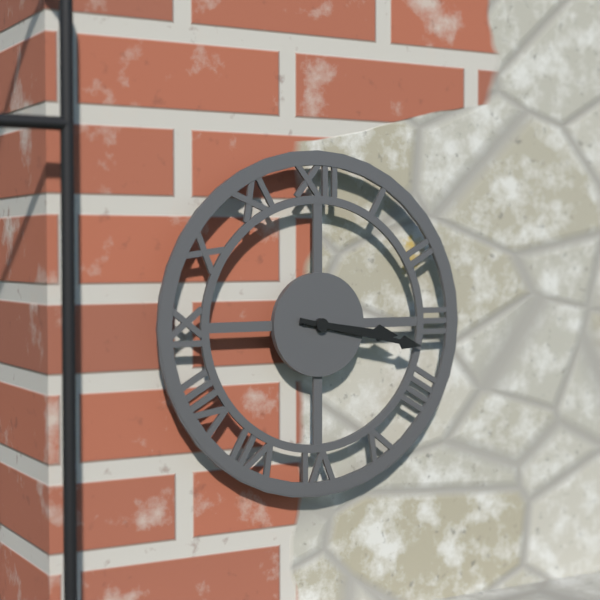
**3:17**
